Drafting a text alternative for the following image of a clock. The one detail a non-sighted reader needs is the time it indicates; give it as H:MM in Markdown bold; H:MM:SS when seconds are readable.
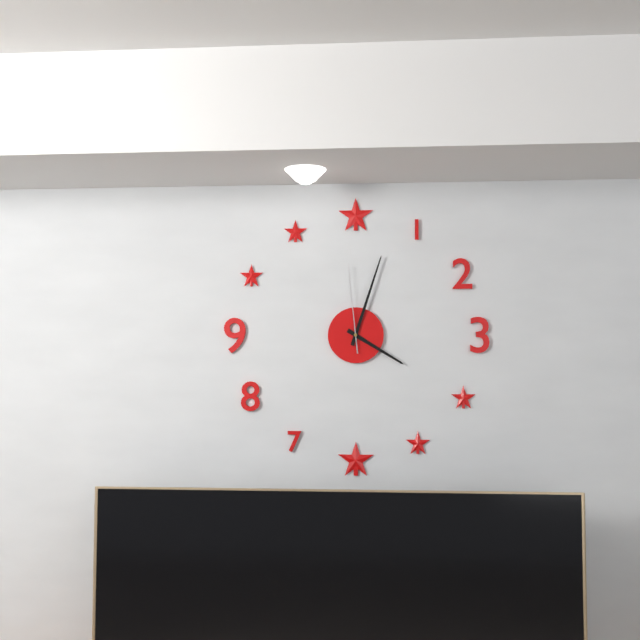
**4:03:59**
